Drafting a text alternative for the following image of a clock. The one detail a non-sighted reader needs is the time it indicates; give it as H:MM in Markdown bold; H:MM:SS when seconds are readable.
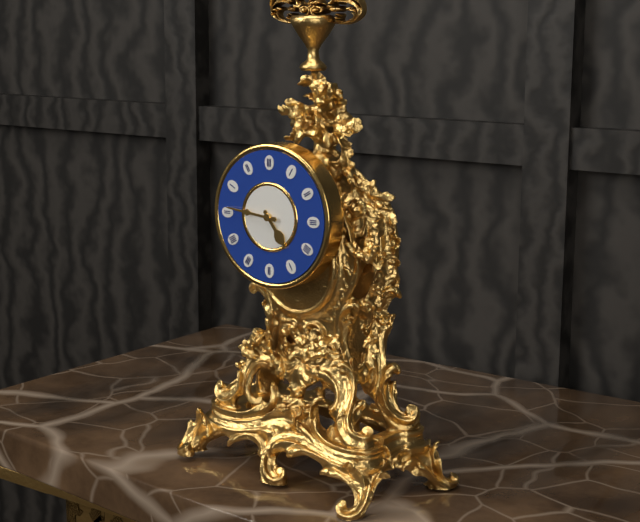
**4:46**
